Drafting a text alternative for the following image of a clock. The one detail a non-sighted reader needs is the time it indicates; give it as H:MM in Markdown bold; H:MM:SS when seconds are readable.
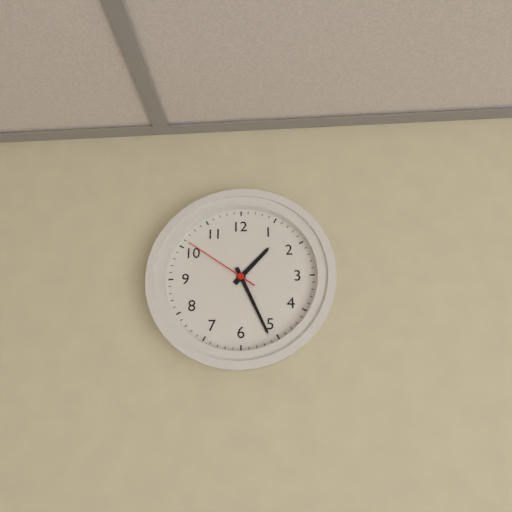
**1:26:51**
